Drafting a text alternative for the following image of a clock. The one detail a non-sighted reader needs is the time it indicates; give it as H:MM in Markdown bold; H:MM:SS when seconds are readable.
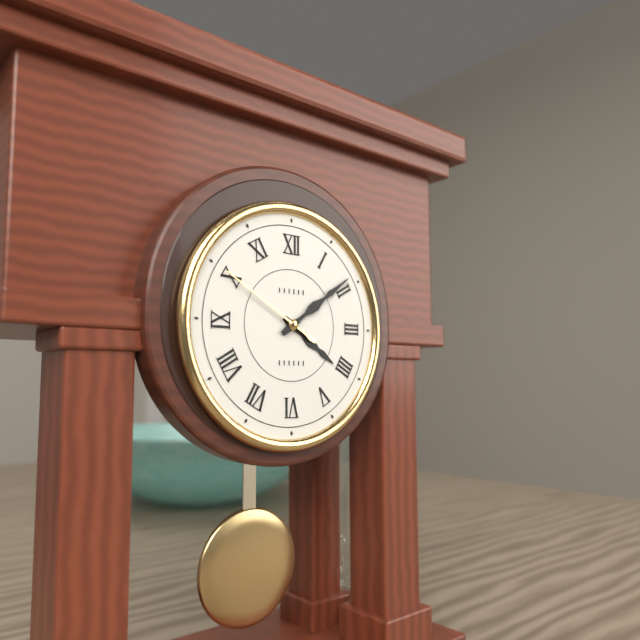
**4:09:50**
